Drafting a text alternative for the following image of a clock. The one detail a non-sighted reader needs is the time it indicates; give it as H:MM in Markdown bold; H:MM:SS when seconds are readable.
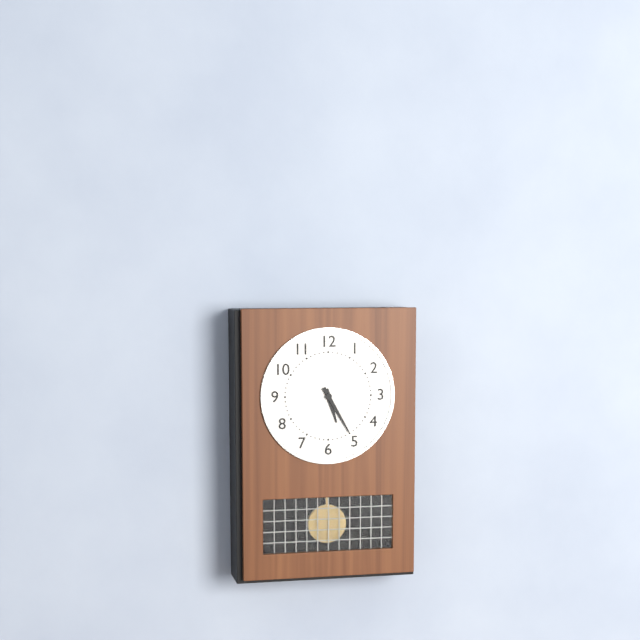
**5:25**
